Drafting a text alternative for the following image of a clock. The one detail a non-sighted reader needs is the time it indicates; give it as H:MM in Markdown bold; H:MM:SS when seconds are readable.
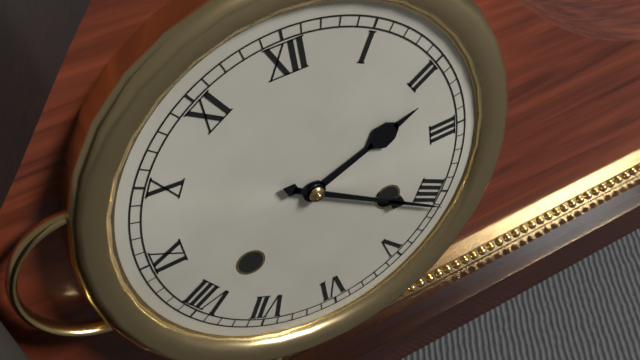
**2:21**
